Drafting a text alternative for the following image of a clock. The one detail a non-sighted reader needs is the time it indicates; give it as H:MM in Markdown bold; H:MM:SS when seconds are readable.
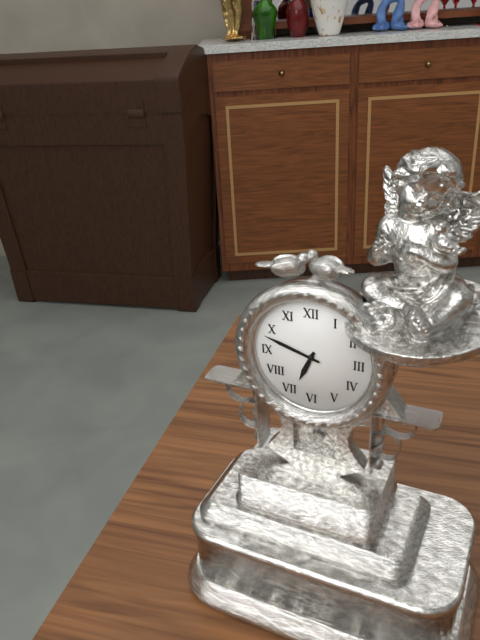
**6:48**
